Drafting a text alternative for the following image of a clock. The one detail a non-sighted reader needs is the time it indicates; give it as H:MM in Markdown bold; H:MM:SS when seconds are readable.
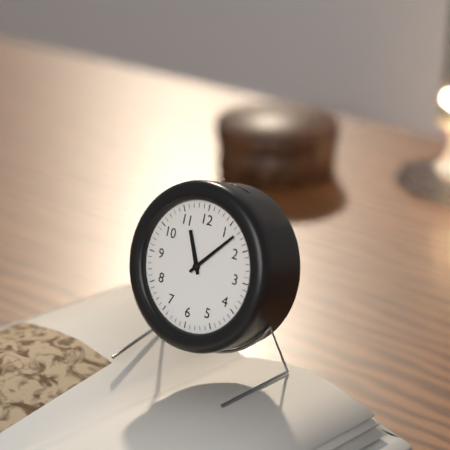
**11:07**
